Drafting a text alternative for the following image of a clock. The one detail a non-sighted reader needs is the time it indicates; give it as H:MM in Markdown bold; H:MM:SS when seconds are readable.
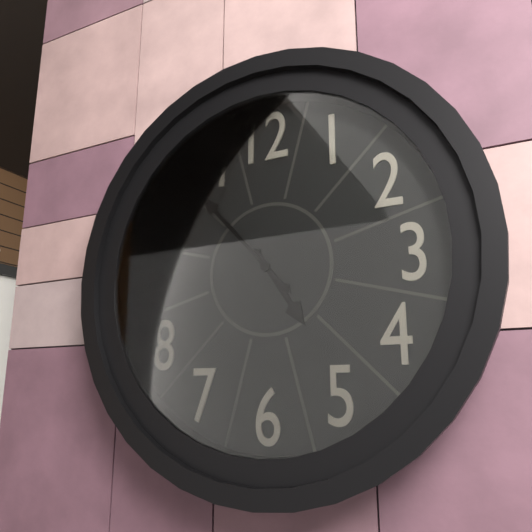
**4:53**
